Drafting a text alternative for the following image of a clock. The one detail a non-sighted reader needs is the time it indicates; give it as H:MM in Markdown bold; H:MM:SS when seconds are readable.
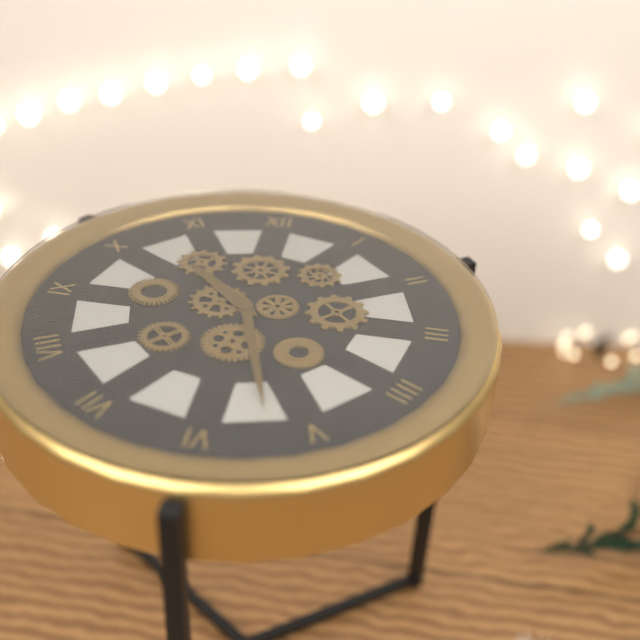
**10:27**
